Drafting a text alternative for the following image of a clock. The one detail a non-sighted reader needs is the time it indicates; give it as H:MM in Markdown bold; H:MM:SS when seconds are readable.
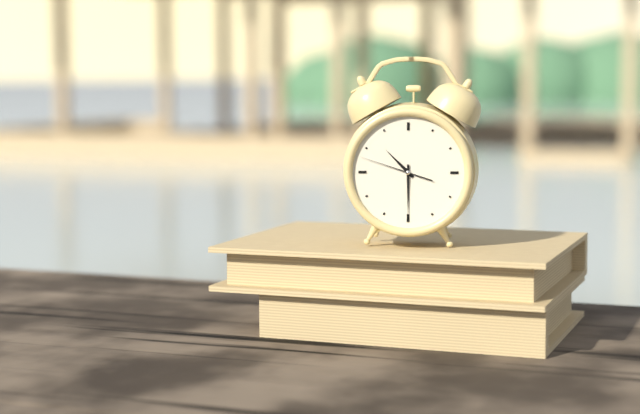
**10:30:48**
